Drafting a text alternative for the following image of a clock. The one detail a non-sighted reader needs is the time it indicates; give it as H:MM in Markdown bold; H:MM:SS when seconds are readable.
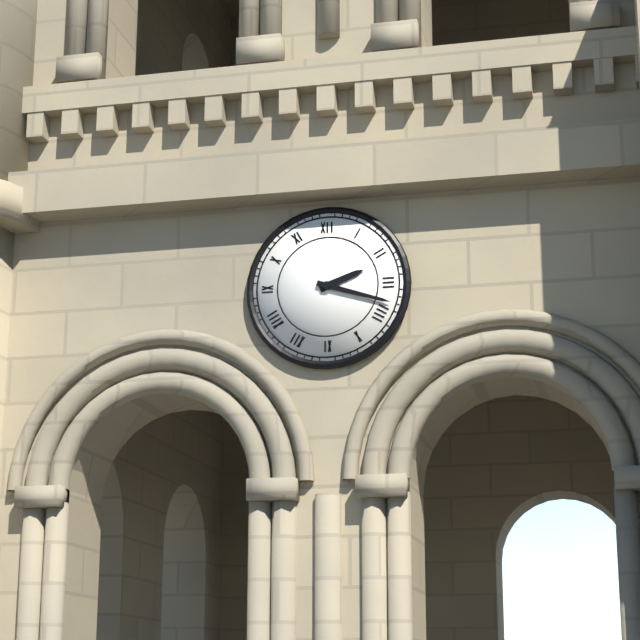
**2:18**
